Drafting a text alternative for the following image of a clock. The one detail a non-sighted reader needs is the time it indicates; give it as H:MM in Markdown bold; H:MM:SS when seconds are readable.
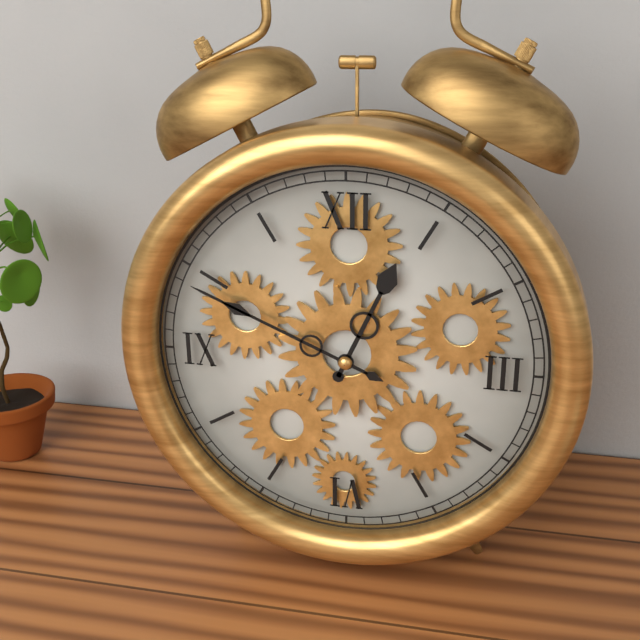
**12:49**
